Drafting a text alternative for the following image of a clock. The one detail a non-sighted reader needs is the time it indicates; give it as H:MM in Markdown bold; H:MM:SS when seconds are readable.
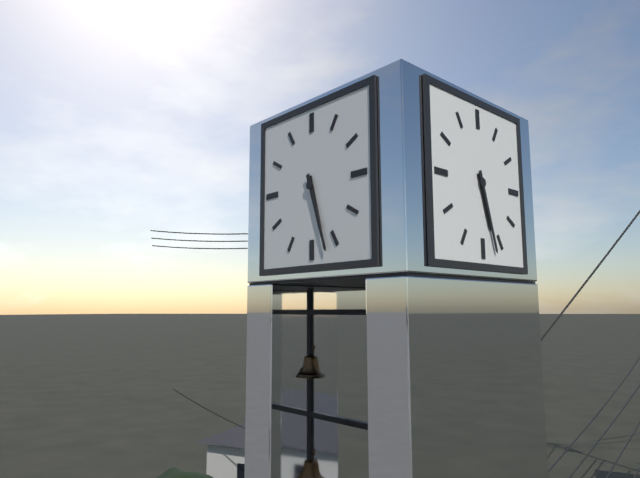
**5:27**
